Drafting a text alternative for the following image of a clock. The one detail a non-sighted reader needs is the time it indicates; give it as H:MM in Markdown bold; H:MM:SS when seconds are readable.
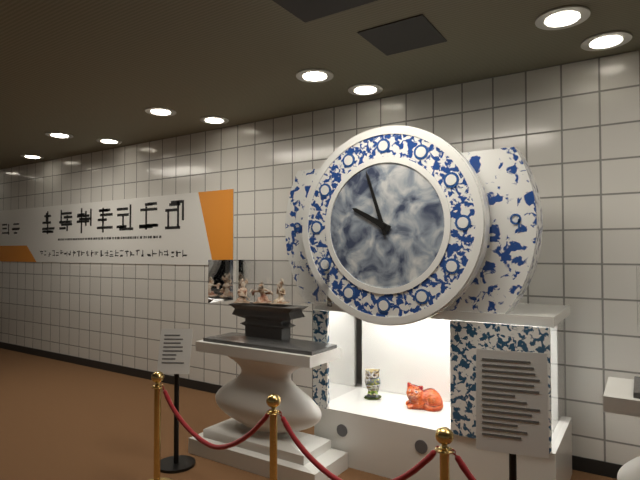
**9:57**
